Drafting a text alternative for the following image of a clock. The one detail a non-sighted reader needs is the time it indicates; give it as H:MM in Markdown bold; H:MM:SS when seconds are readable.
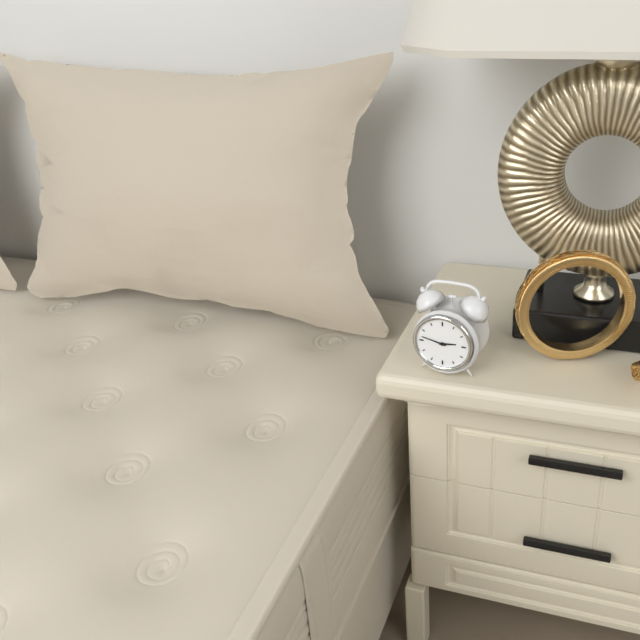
**2:47**
